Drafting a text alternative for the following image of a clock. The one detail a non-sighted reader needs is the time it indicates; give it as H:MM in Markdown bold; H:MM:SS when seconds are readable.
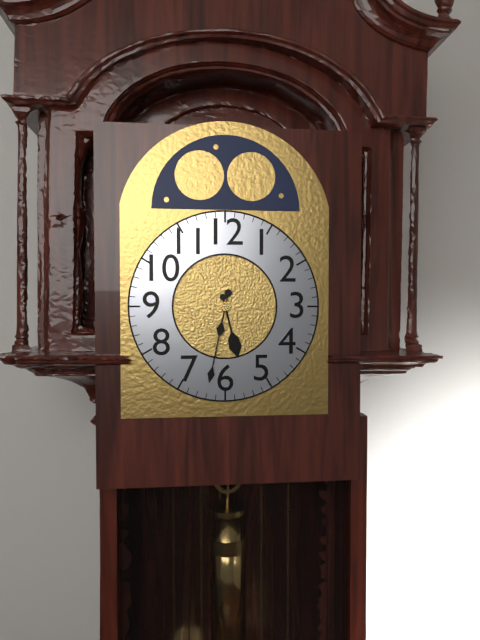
**5:32**
